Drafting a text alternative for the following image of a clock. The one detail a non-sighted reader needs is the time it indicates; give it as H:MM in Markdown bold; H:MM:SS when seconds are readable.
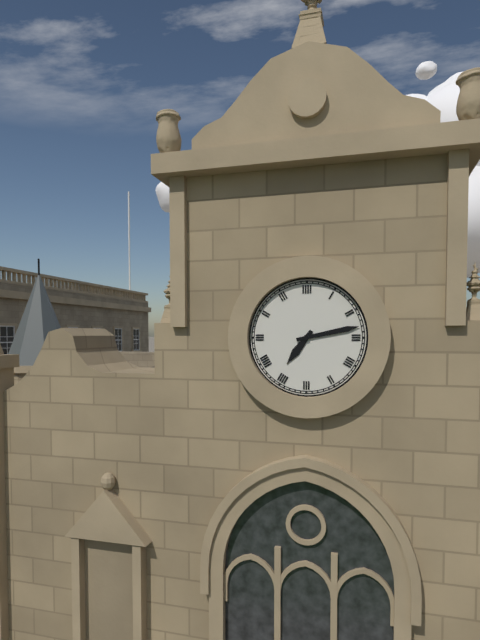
**7:13**
